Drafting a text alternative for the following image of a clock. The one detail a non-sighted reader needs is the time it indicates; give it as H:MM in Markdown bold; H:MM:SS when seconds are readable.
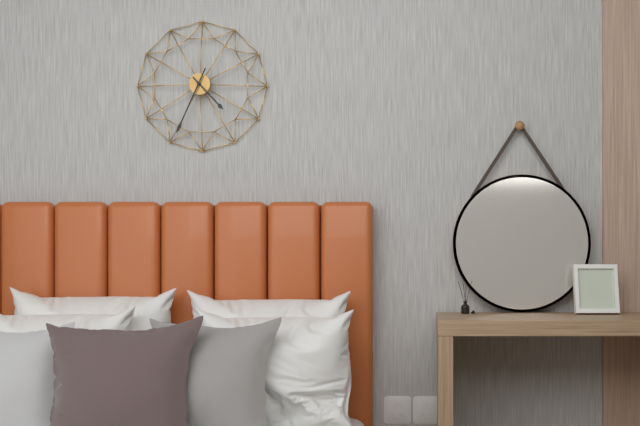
**4:34**
